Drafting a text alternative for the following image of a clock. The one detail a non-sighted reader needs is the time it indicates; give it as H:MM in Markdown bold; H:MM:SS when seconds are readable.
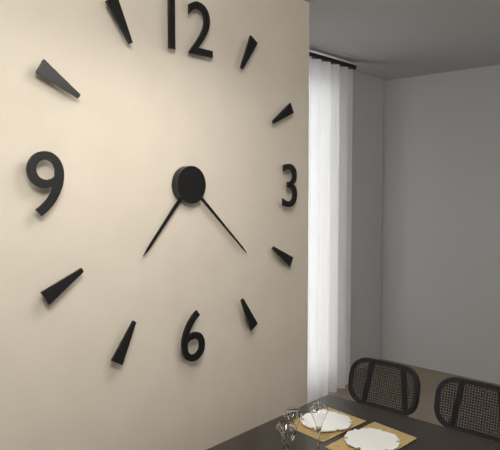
**7:22**
